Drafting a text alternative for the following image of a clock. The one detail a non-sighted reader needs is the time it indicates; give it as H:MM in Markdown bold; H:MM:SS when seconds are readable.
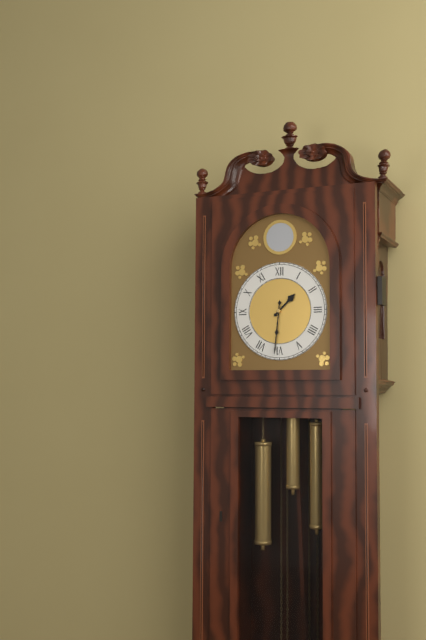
**1:31**
